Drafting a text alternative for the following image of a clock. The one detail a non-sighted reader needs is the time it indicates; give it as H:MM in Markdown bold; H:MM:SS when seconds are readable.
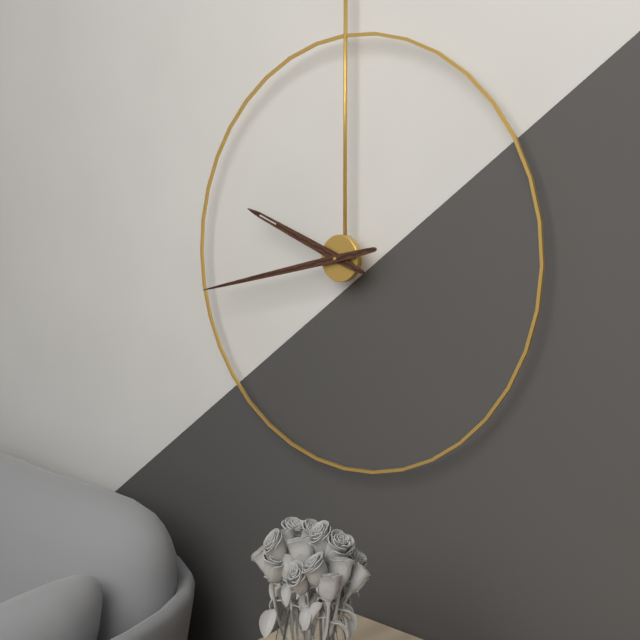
**9:43**
